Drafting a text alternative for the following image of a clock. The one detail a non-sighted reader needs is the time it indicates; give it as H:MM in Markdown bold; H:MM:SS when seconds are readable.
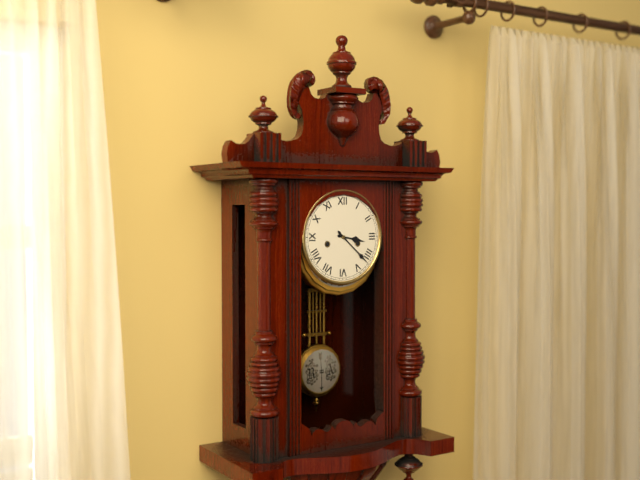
**3:22**
